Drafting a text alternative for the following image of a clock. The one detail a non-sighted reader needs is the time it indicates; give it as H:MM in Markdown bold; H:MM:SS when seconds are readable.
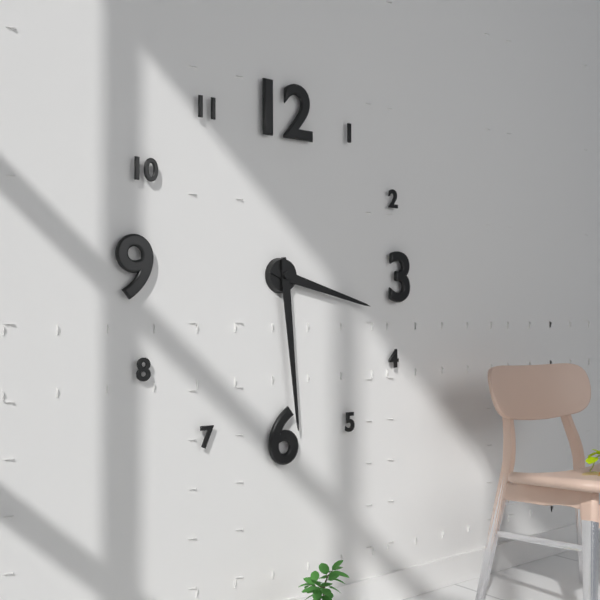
**3:29**
